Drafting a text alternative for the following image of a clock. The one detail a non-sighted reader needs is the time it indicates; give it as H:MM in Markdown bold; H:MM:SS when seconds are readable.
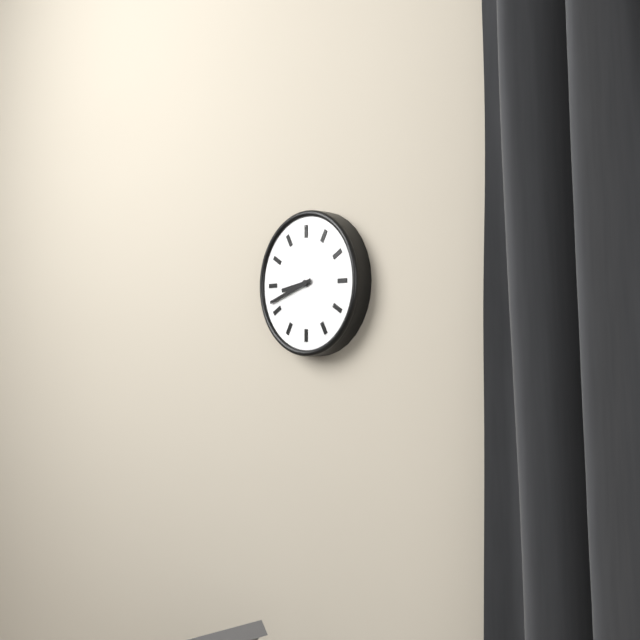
**8:42**
